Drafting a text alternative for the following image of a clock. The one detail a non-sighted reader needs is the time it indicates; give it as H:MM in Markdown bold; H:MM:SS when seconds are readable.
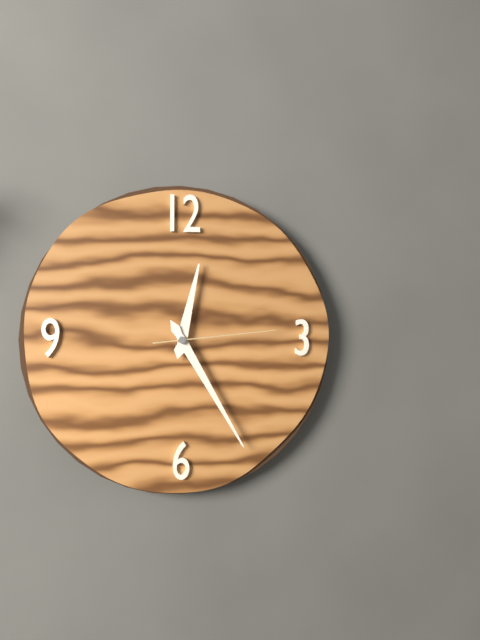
**12:25:14**
